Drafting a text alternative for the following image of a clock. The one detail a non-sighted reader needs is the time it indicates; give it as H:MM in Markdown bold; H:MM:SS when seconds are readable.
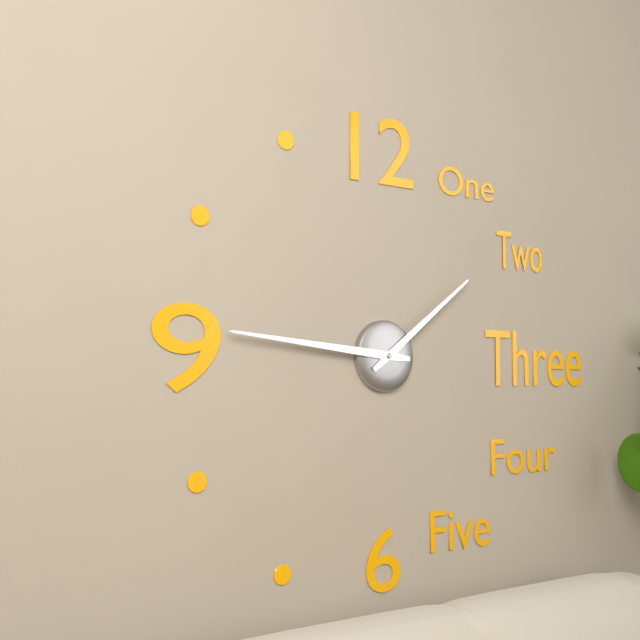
**1:46**
